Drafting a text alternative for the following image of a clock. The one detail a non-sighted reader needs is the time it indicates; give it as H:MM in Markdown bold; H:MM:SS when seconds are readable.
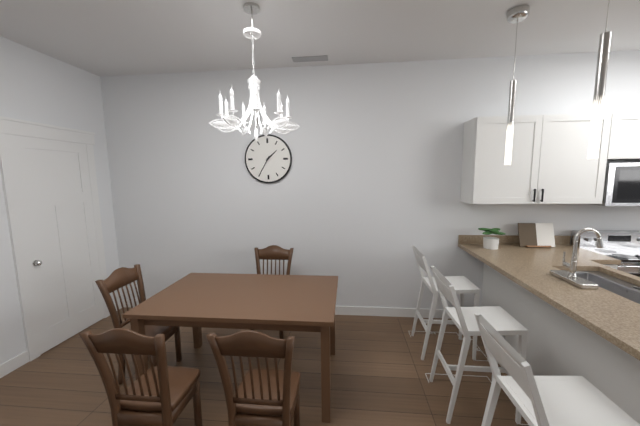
**1:35**
